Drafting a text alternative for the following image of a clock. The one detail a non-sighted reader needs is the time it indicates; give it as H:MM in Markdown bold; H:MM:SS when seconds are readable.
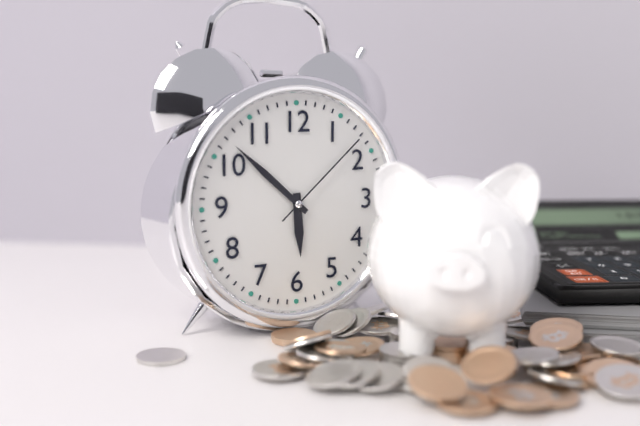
**5:52:08**
